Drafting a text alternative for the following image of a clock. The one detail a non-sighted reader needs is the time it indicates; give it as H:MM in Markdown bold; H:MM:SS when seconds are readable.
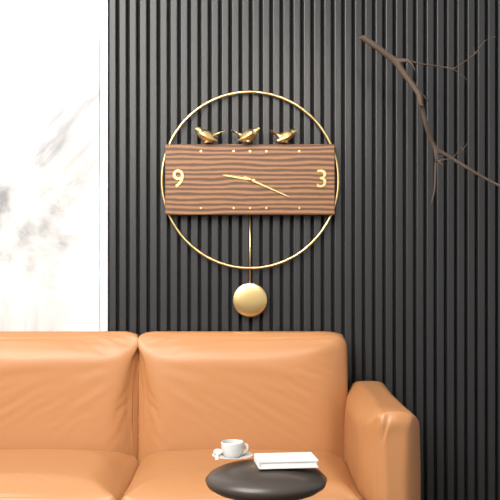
**9:19**
